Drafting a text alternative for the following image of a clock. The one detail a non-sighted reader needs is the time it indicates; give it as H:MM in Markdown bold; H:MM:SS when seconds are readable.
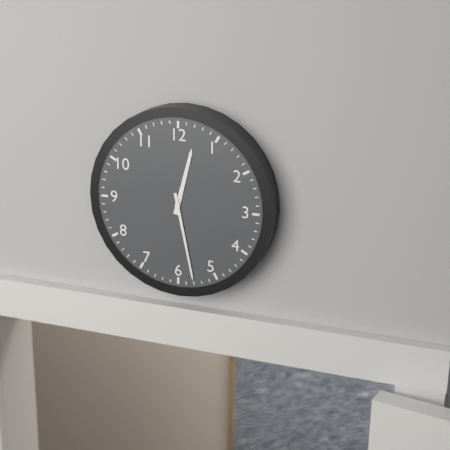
**12:28**
